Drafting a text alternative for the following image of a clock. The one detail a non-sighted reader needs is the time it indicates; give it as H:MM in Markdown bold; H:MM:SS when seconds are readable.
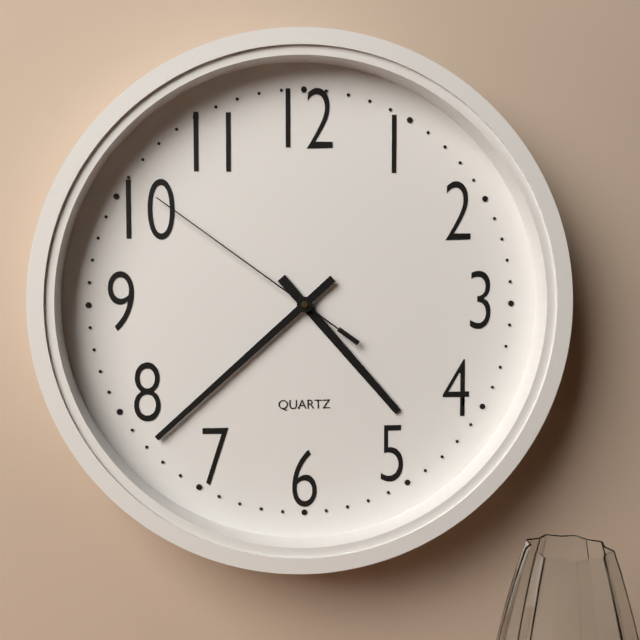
**4:38:51**
